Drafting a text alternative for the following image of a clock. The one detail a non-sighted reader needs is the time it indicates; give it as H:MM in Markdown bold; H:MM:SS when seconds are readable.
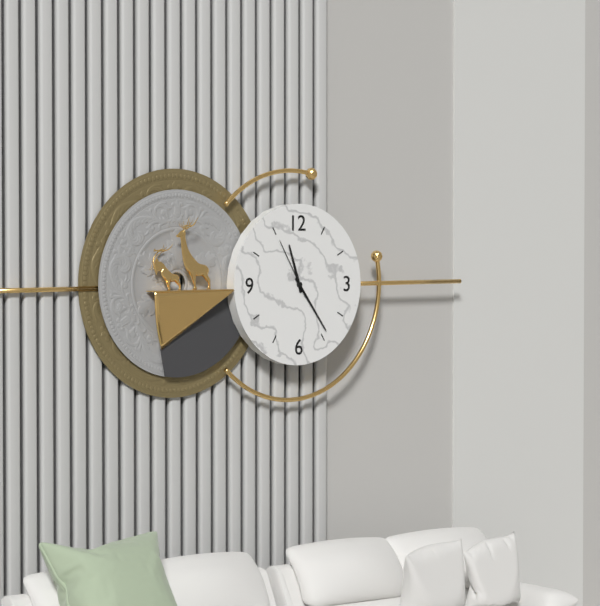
**11:24:55**
